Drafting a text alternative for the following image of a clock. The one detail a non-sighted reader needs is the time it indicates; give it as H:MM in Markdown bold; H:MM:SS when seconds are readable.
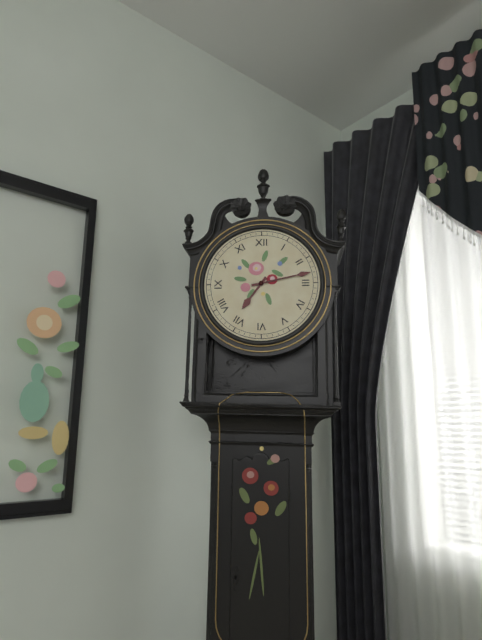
**7:13**
